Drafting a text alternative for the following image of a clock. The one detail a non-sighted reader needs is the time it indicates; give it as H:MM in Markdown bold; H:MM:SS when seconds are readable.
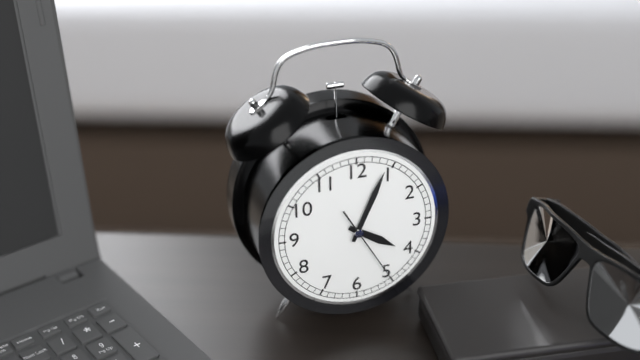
**4:04:25**
